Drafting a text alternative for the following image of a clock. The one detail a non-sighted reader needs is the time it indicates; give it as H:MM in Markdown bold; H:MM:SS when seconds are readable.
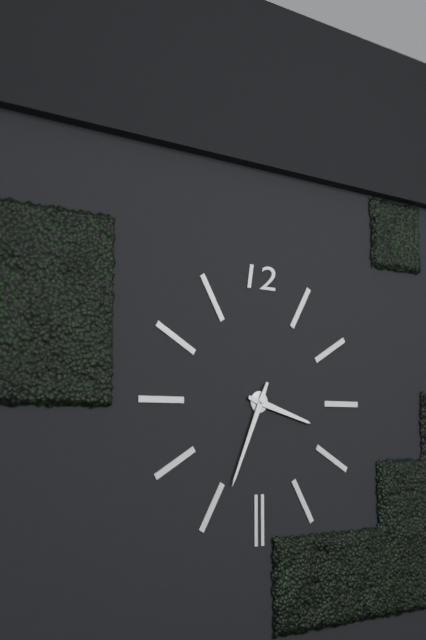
**3:34**
